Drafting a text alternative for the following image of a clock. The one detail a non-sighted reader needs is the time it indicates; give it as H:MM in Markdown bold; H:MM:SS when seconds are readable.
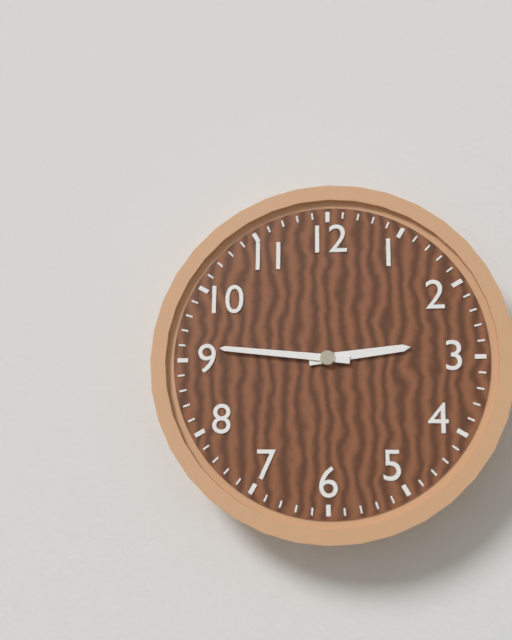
**2:46**
